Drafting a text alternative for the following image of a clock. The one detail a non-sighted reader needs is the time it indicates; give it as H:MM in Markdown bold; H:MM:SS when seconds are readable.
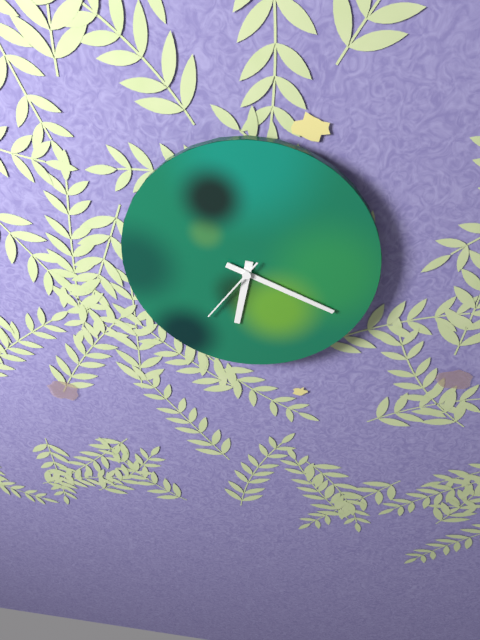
**6:19:36**
